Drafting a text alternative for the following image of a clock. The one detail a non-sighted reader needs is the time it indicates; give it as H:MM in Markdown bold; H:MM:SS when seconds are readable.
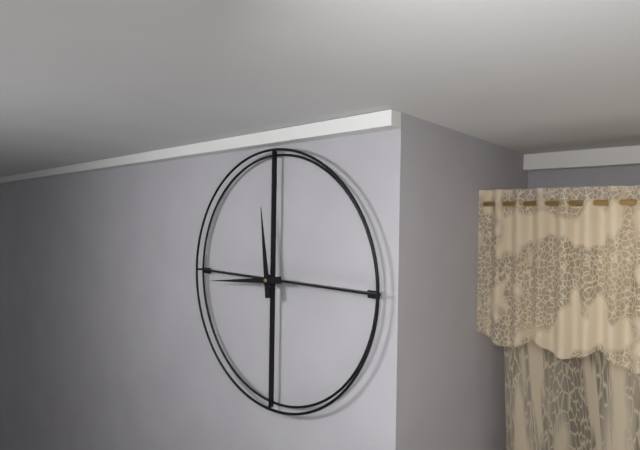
**11:44**
